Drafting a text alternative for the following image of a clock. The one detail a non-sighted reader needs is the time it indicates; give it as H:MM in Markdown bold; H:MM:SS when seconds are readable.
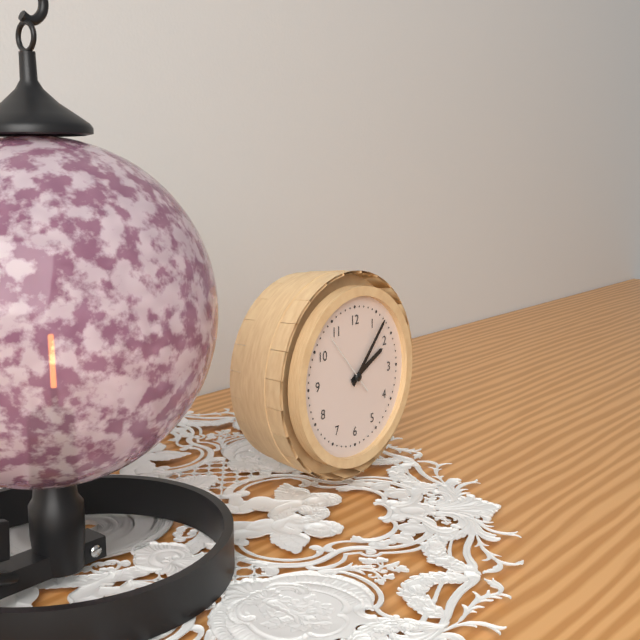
**2:07:53**
